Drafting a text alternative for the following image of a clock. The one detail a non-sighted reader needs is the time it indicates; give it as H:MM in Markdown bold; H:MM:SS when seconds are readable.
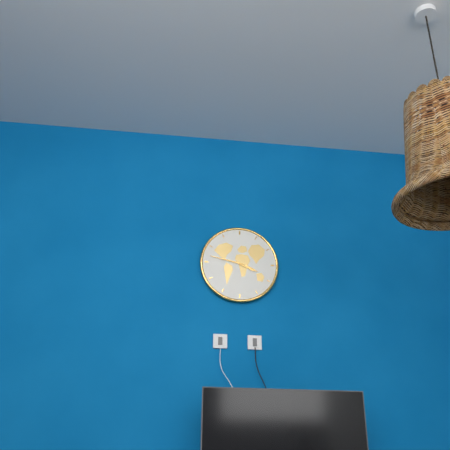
**3:47**
